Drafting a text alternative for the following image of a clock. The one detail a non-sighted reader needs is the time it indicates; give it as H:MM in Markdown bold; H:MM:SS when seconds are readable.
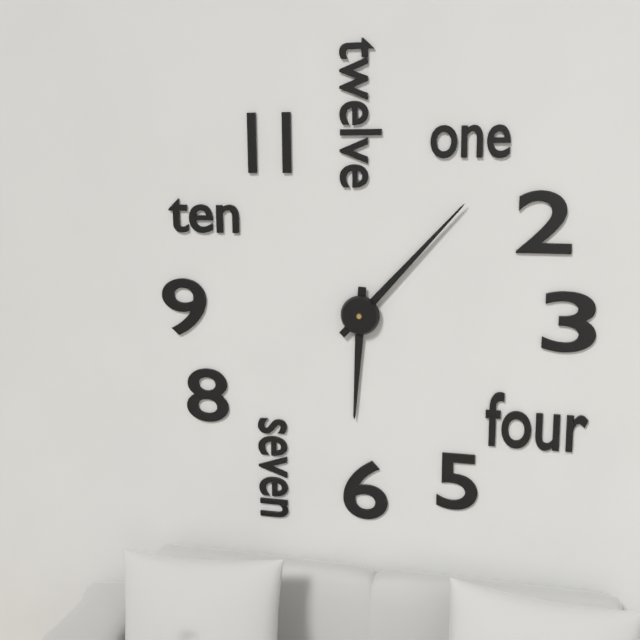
**6:07**
